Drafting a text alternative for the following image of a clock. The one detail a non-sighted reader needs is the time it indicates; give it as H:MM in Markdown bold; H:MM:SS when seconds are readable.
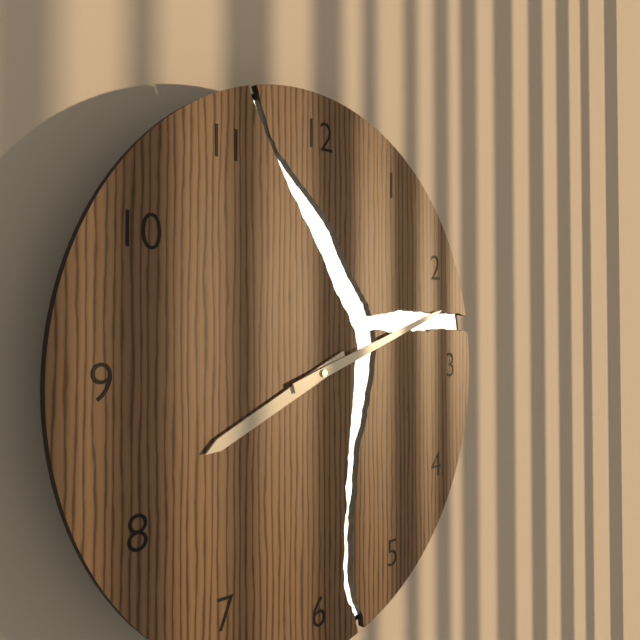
**8:12**
